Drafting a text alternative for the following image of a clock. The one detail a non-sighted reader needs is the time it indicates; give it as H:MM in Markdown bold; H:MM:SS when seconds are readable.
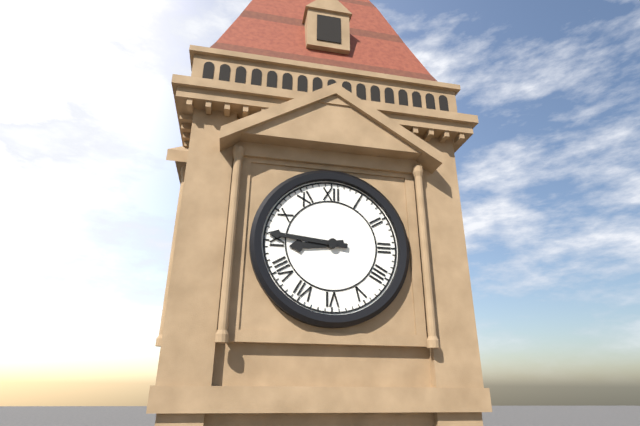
**8:46**
